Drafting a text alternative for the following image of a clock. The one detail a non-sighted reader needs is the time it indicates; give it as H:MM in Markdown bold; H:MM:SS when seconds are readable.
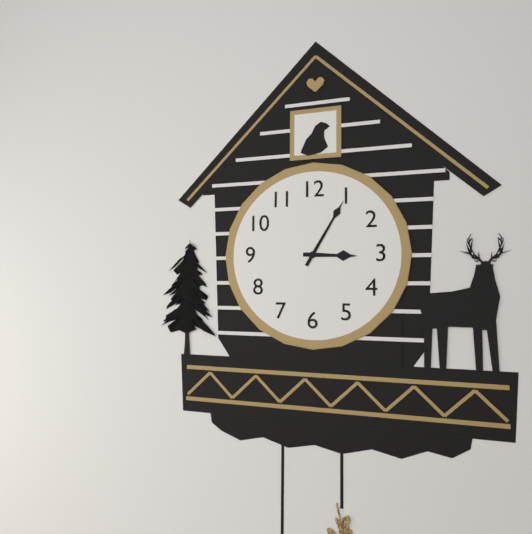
**3:05**
